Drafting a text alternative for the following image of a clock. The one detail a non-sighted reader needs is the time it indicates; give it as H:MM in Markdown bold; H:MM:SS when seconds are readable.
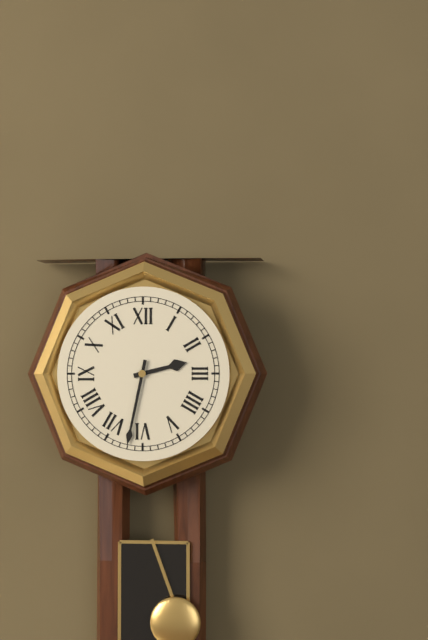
**2:32**
